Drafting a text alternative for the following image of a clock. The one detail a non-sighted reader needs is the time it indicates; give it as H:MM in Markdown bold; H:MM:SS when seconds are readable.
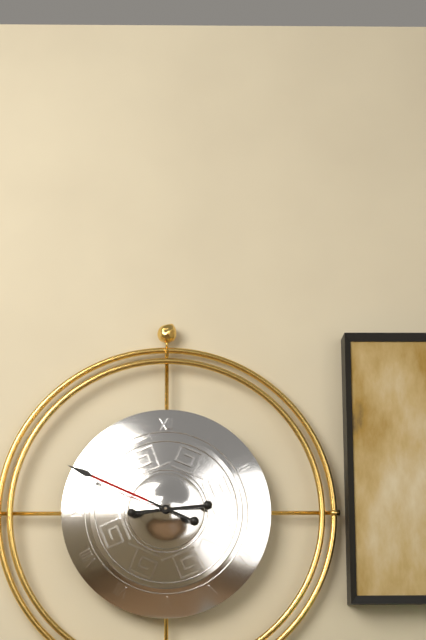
**2:49**
